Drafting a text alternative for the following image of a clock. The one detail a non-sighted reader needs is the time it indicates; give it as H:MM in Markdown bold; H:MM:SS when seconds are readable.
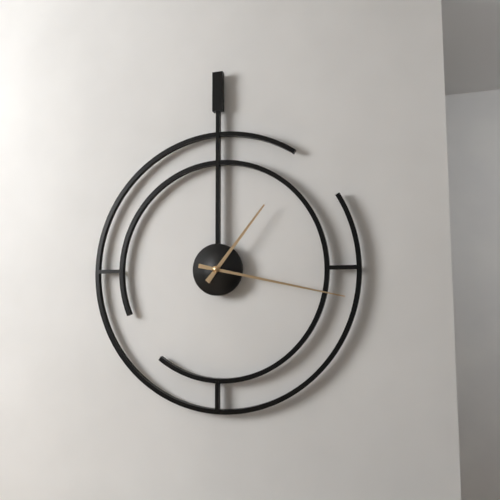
**1:17**
